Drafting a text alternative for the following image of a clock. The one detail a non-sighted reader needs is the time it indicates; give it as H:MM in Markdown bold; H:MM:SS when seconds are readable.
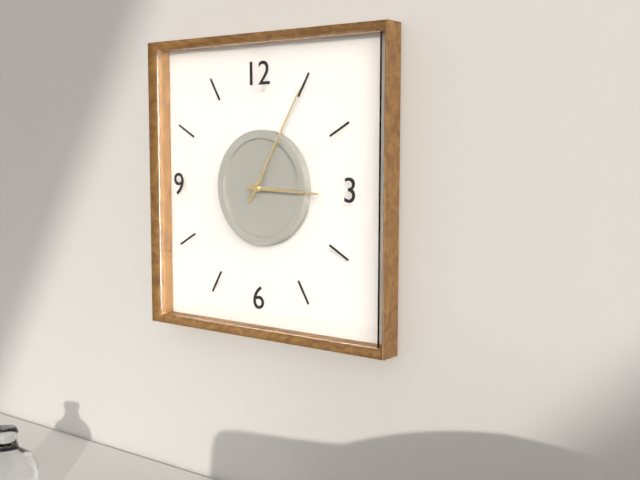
**3:05**
